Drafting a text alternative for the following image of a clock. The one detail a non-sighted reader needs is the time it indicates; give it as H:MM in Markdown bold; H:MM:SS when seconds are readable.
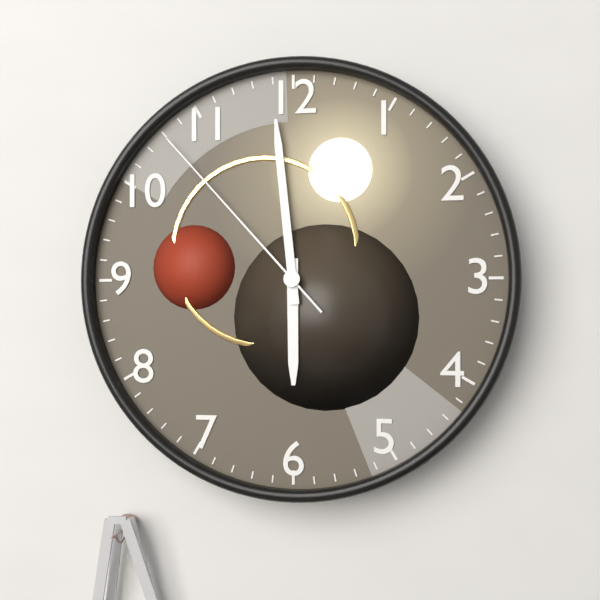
**5:59:53**
